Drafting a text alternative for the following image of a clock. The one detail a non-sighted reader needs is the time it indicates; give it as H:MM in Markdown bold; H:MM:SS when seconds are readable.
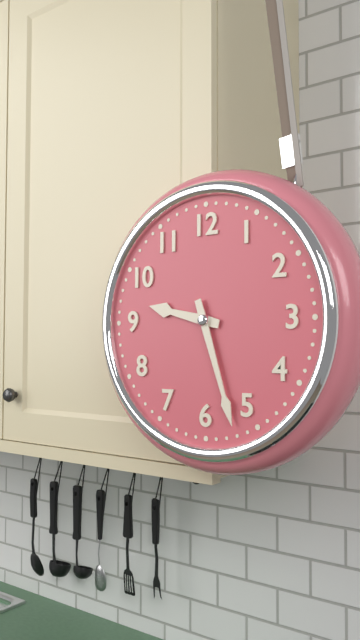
**9:27**
